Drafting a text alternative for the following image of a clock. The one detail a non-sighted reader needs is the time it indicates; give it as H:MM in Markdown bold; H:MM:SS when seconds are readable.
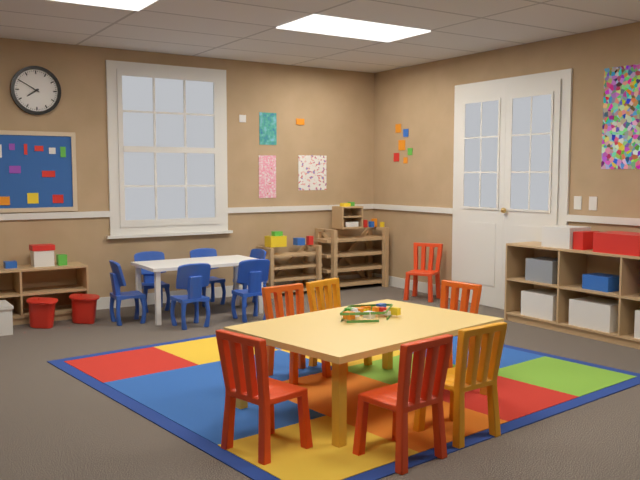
**7:50**
